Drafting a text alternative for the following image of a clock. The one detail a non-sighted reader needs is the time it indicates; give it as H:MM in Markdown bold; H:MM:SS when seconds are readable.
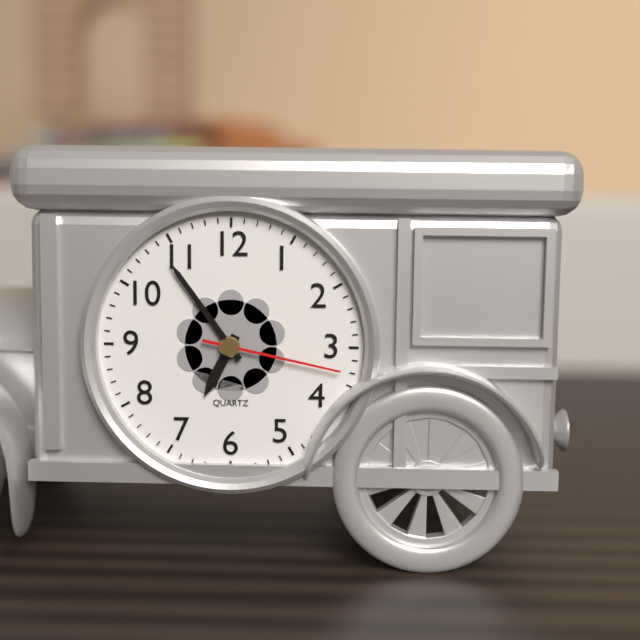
**6:54:17**
